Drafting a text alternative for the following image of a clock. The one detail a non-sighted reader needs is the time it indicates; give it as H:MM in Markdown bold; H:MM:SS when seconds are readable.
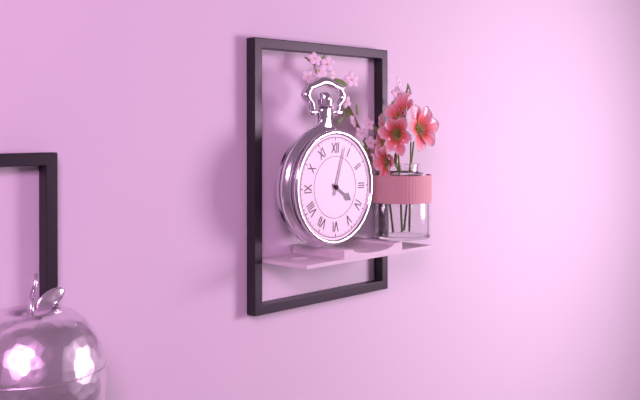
**4:03**
